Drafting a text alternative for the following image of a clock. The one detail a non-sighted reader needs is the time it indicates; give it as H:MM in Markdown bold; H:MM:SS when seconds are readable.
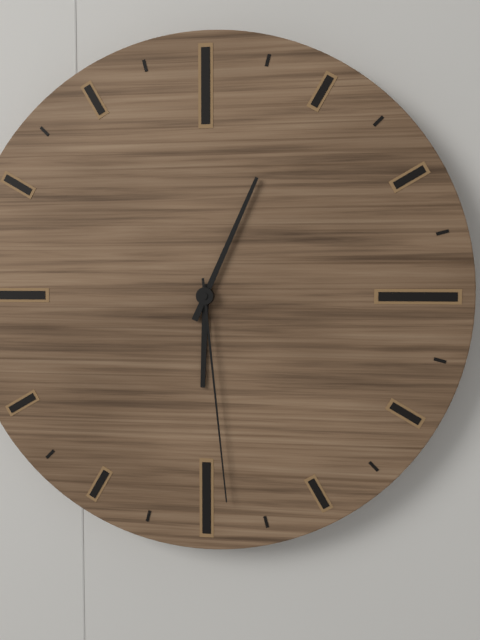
**6:04:29**
